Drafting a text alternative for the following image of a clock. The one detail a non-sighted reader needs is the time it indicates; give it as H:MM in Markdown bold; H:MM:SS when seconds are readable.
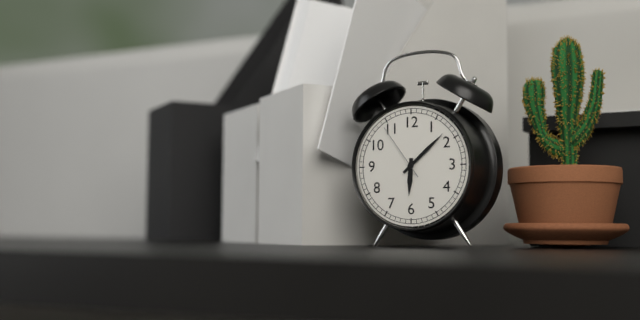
**6:08:54**
